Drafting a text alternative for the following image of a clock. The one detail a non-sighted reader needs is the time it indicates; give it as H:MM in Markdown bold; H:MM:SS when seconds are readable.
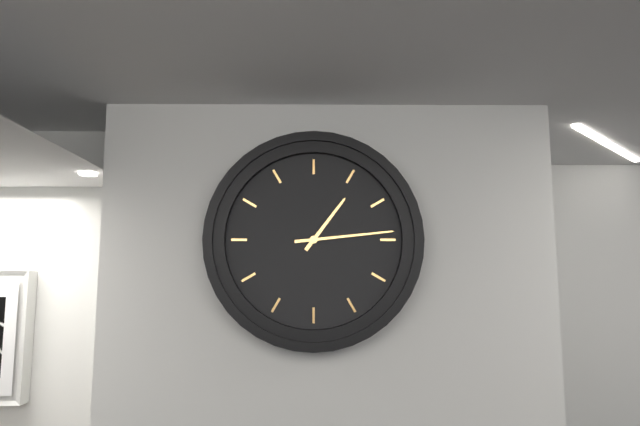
**1:14**
